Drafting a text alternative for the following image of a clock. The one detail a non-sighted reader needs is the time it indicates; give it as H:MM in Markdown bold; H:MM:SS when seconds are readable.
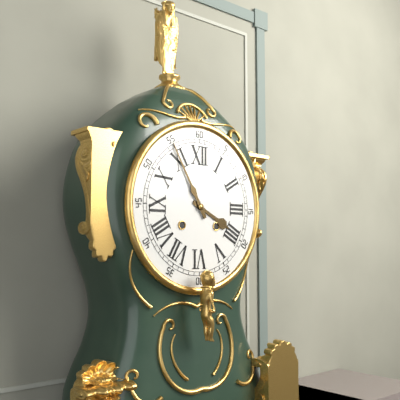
**3:55**
